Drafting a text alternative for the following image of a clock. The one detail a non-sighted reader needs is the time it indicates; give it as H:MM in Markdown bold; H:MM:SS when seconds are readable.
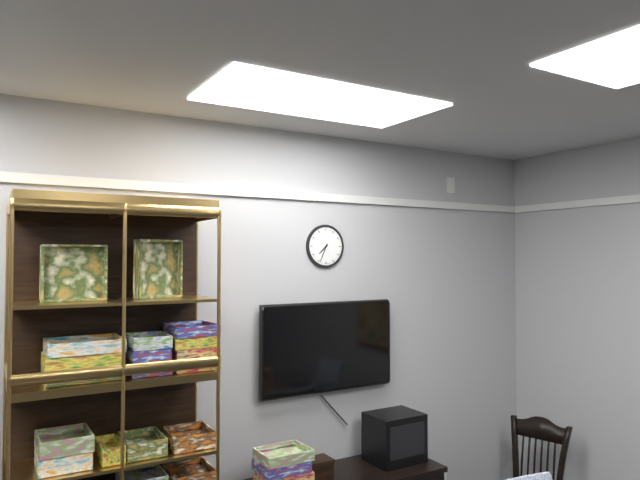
**7:34**
